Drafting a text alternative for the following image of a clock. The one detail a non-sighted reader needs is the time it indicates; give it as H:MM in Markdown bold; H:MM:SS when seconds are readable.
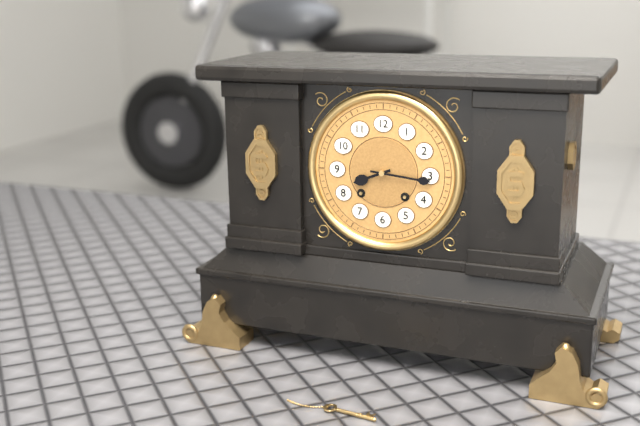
**8:16**
